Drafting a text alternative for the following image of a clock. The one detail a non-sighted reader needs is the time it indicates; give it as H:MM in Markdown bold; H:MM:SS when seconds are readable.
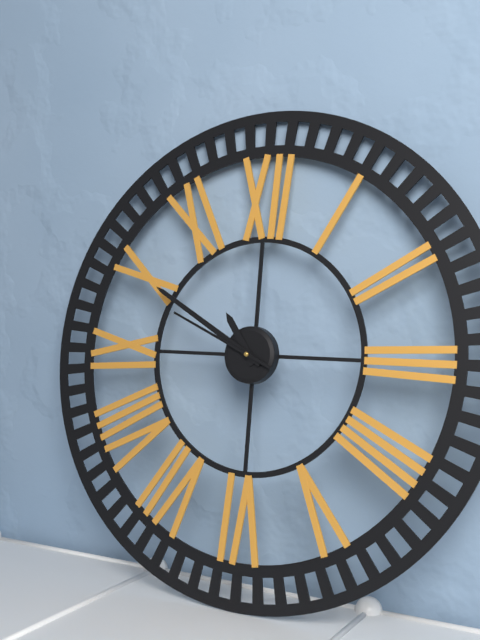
**10:50:49**
